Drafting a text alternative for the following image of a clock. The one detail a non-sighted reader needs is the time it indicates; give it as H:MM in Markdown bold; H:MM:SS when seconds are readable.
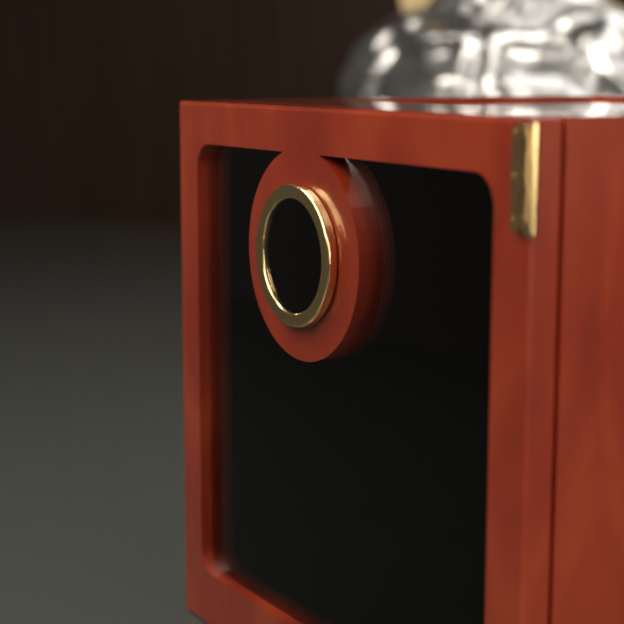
**4:11**
